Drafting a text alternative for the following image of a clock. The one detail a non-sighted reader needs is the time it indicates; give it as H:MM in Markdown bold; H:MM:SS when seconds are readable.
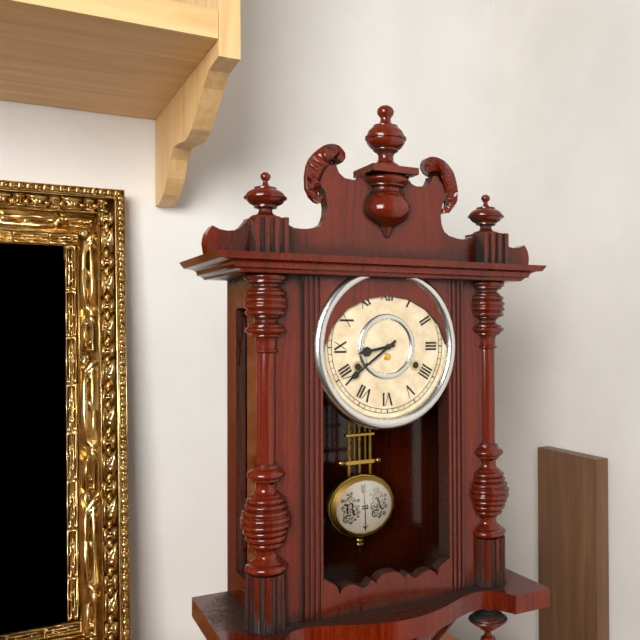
**8:39**
